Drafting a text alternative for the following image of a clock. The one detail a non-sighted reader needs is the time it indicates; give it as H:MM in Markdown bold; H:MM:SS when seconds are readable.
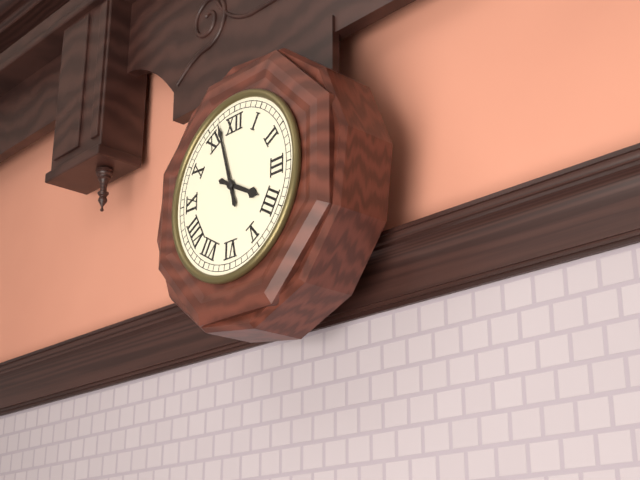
**3:57**
